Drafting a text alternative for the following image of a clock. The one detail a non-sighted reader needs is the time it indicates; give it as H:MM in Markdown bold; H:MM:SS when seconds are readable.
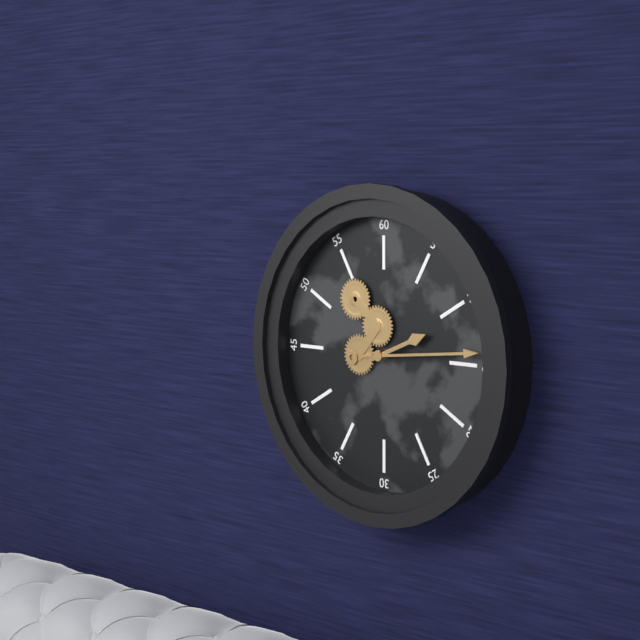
**2:14**
